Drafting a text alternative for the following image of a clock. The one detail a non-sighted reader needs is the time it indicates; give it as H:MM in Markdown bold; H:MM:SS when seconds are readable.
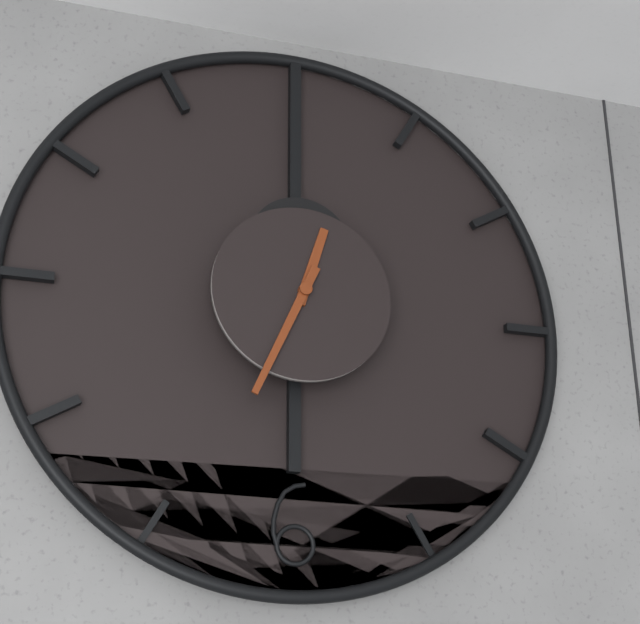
**12:34**
